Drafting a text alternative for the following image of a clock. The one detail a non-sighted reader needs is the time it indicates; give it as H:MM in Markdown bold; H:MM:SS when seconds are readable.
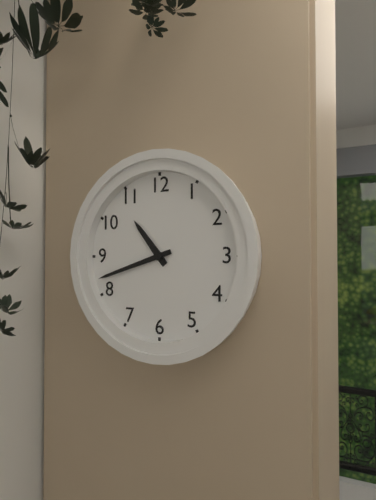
**10:42**
